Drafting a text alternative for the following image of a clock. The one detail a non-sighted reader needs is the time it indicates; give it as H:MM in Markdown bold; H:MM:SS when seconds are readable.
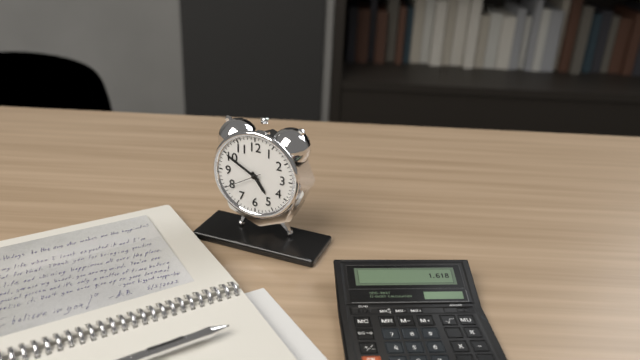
**4:50**
